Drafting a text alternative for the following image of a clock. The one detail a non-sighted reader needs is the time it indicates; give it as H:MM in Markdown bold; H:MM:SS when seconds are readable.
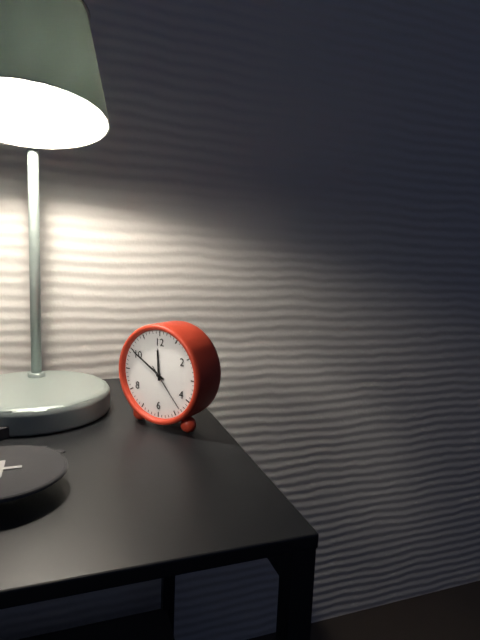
**11:50:23**
